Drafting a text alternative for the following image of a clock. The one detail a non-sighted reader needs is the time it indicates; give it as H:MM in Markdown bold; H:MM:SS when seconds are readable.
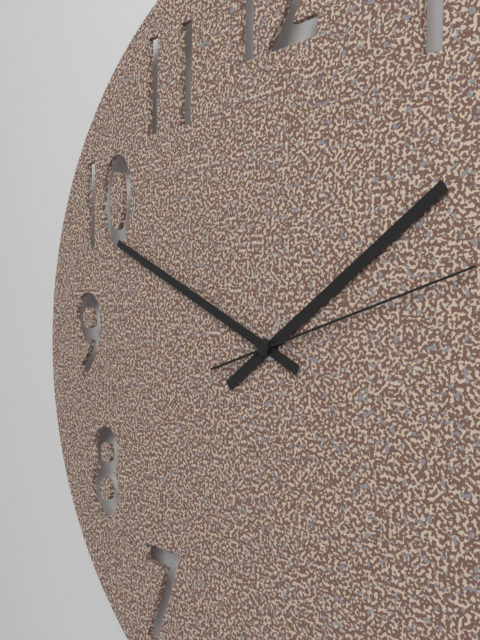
**1:49:12**
